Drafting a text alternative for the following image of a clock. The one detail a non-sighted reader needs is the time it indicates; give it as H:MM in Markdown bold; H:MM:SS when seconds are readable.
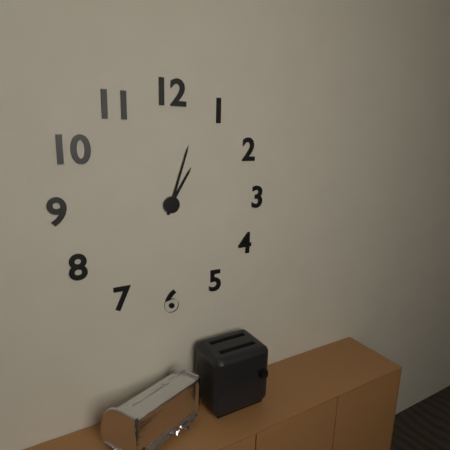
**1:03**
